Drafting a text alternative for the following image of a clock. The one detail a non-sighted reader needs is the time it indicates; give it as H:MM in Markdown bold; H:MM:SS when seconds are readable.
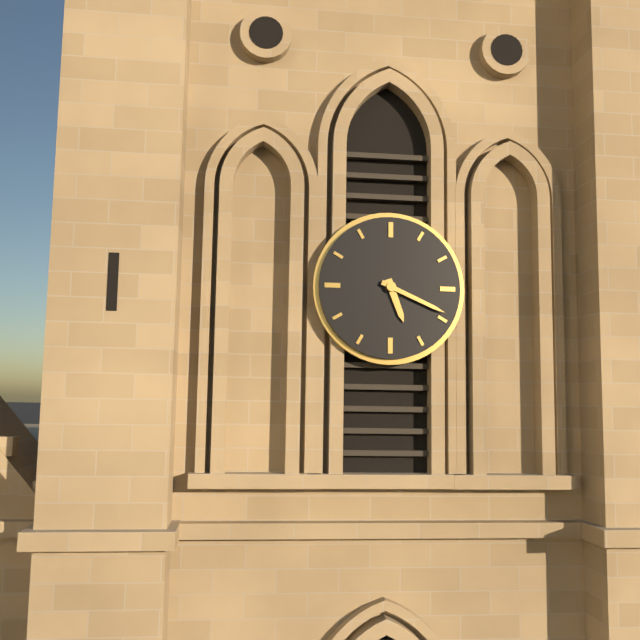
**5:19**
